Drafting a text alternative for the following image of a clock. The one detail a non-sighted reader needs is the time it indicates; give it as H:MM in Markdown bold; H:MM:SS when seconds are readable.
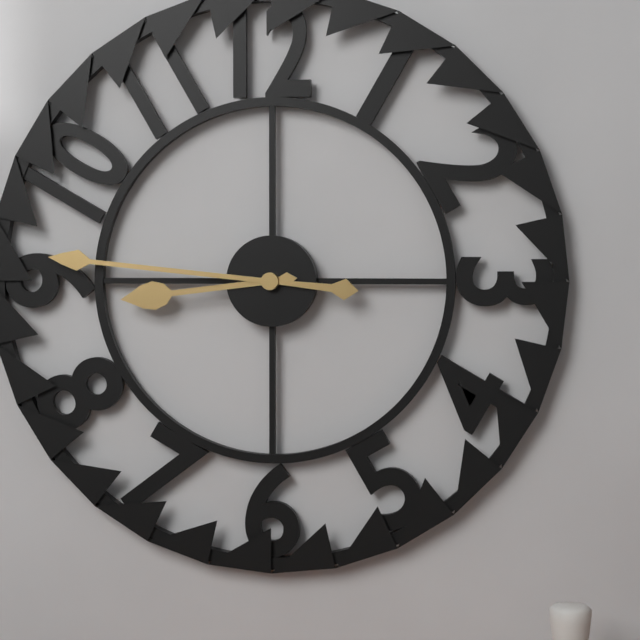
**8:46**
